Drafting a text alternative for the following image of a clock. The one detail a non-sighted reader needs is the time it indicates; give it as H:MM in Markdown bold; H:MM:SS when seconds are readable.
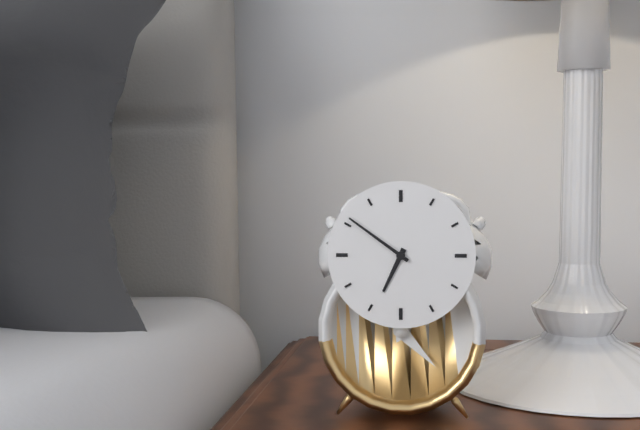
**6:51**
